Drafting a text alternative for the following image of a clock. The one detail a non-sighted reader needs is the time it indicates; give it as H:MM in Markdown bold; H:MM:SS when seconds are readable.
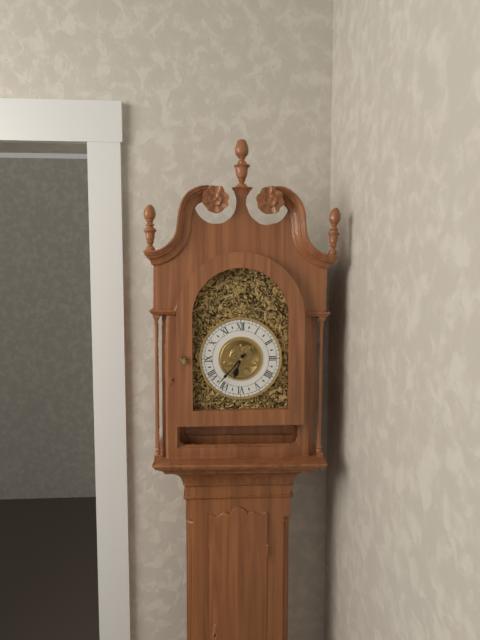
**6:37**
